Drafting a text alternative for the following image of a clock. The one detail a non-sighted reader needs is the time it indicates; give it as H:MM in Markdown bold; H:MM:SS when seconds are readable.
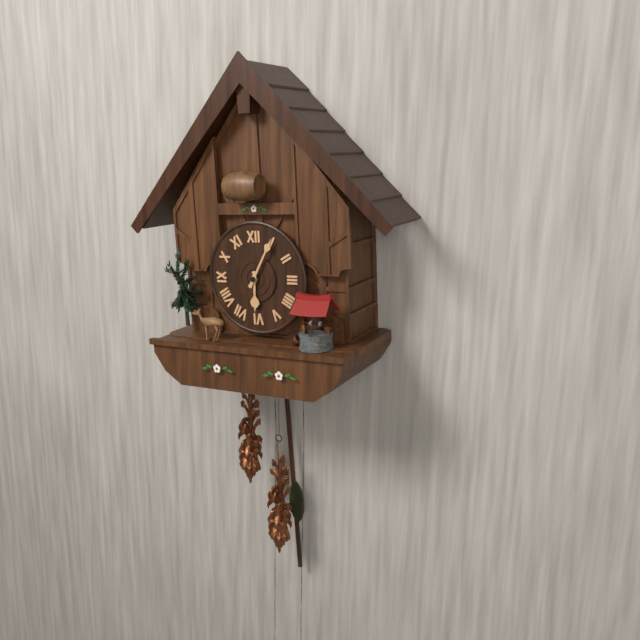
**6:05**
